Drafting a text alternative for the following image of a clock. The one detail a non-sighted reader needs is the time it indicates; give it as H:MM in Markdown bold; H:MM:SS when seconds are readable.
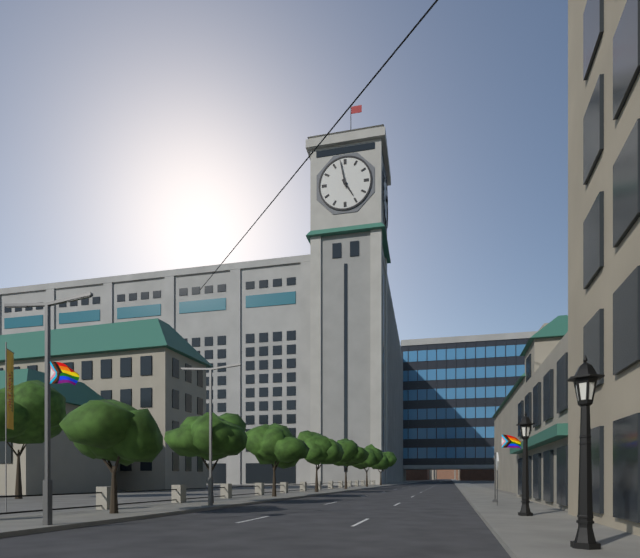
**4:58**
